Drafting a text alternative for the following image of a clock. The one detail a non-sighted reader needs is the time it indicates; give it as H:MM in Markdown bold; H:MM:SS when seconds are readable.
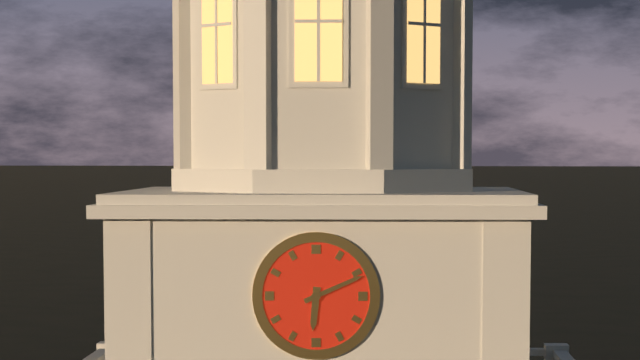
**6:11**
